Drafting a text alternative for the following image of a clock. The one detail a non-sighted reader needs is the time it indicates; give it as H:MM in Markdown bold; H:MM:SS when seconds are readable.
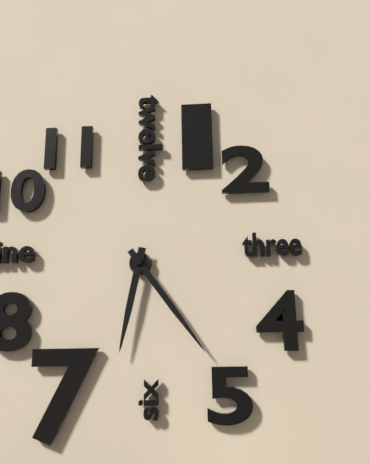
**6:24**
